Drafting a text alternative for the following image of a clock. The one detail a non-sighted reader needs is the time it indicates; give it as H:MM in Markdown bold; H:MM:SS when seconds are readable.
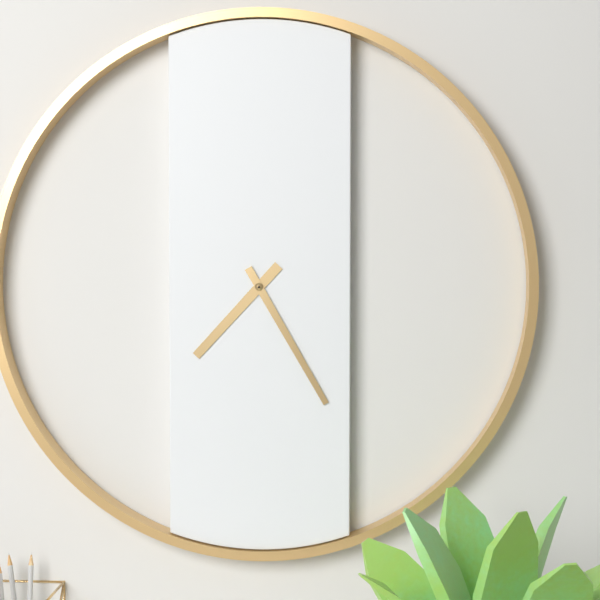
**7:25**
